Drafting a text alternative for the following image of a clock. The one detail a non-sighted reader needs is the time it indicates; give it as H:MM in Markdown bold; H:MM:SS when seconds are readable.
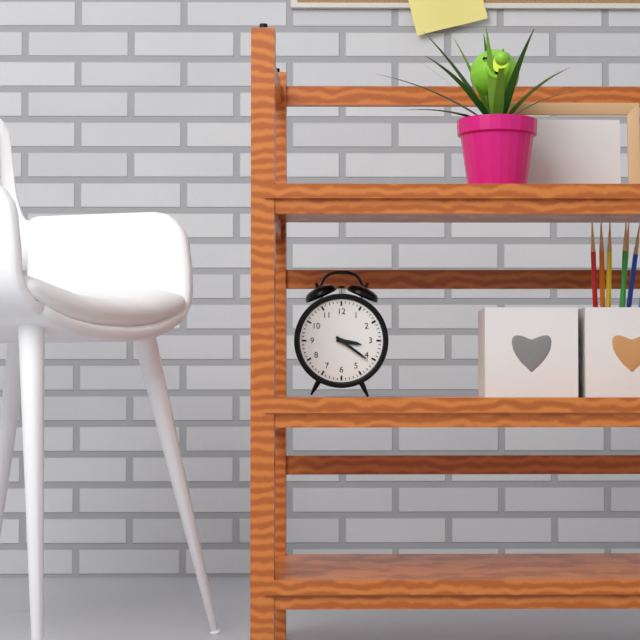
**3:21**
